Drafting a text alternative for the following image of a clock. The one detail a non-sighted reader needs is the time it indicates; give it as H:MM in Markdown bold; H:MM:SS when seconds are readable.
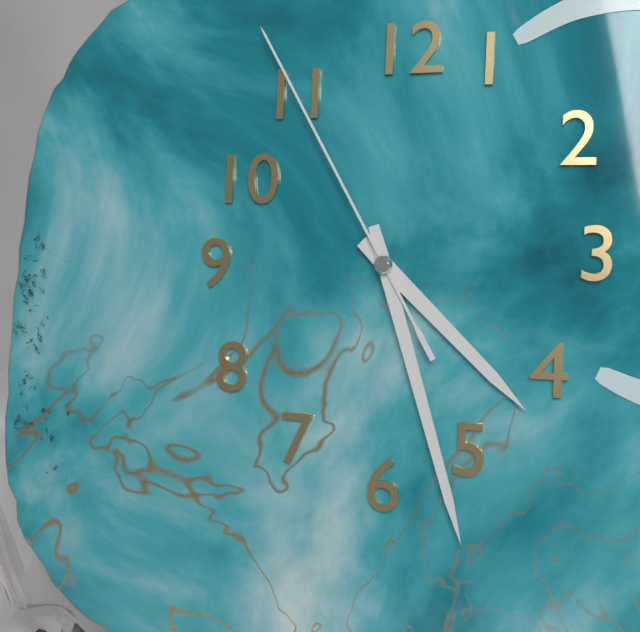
**4:27:55**
